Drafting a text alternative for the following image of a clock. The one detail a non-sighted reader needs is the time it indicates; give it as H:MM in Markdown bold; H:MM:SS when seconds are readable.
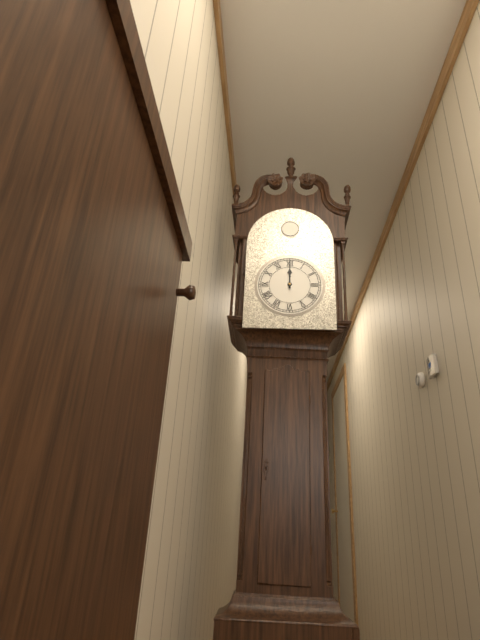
**12:00**
